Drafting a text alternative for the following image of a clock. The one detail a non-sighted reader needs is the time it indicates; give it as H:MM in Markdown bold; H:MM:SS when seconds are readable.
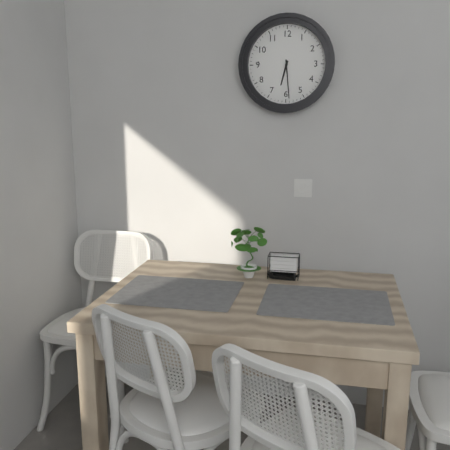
**6:29**
